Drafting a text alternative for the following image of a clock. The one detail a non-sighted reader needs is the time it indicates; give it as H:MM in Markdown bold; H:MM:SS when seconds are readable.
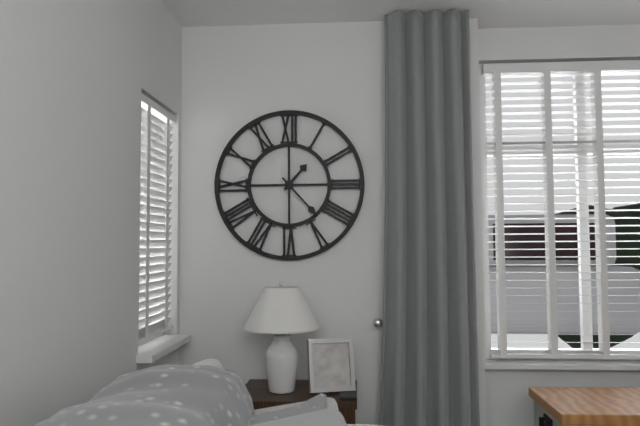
**1:23**
